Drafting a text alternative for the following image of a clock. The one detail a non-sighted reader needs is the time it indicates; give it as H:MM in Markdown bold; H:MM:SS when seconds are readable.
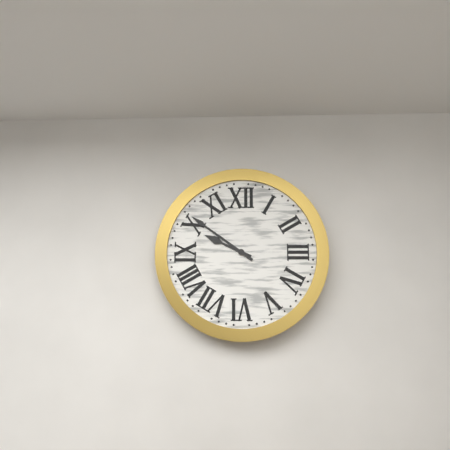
**9:51**
